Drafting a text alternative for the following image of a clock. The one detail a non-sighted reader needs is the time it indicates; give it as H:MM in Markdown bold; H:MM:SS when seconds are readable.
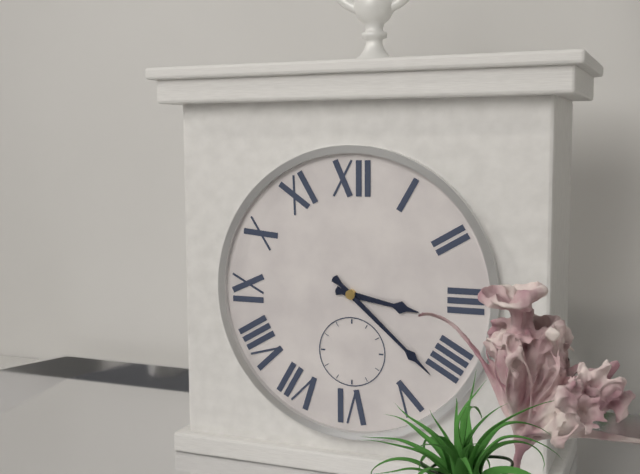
**3:22**
